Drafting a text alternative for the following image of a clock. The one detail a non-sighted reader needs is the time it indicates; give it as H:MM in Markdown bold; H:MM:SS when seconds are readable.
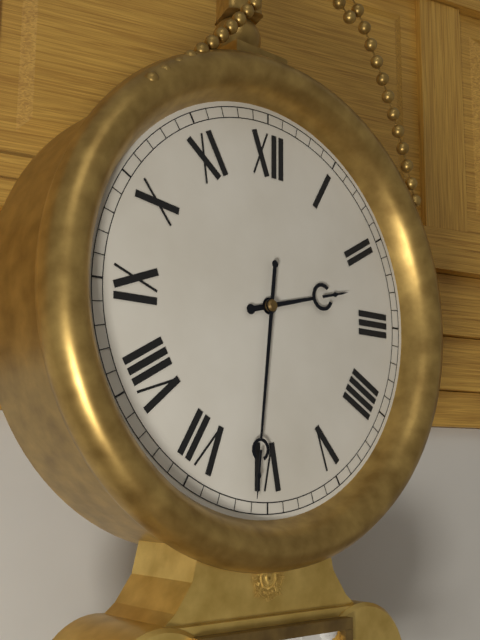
**2:31**
